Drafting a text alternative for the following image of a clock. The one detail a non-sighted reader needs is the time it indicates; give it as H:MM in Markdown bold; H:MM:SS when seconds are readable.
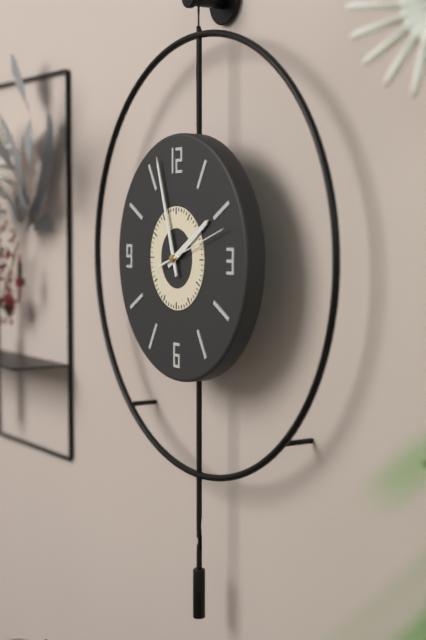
**1:57:12**
